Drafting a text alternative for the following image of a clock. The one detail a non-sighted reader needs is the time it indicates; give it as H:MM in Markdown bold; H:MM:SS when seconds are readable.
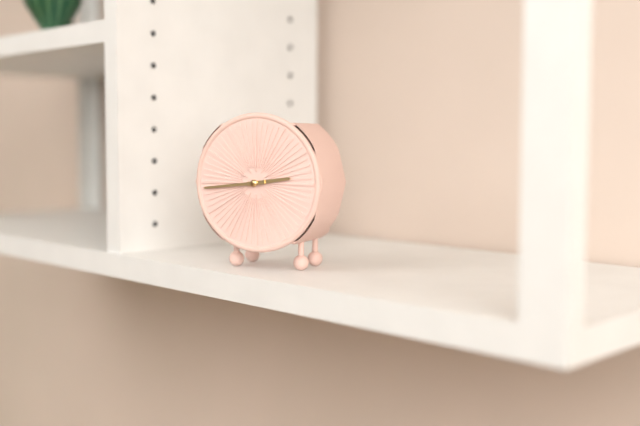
**2:44**
